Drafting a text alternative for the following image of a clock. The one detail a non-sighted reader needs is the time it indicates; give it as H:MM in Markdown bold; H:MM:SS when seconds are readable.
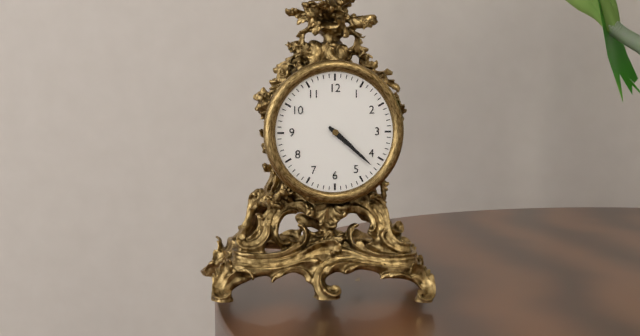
**4:22**
